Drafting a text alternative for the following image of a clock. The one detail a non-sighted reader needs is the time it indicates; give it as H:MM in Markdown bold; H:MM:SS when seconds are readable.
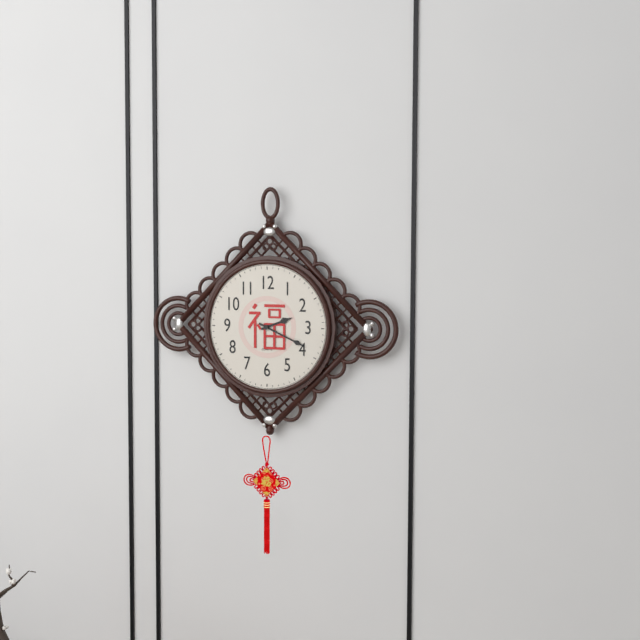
**2:19**
